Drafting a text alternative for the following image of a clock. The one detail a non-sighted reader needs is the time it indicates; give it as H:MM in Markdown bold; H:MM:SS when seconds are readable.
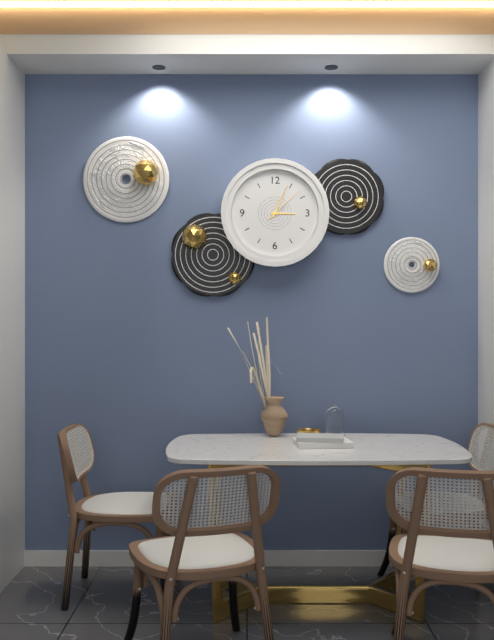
**3:04**
